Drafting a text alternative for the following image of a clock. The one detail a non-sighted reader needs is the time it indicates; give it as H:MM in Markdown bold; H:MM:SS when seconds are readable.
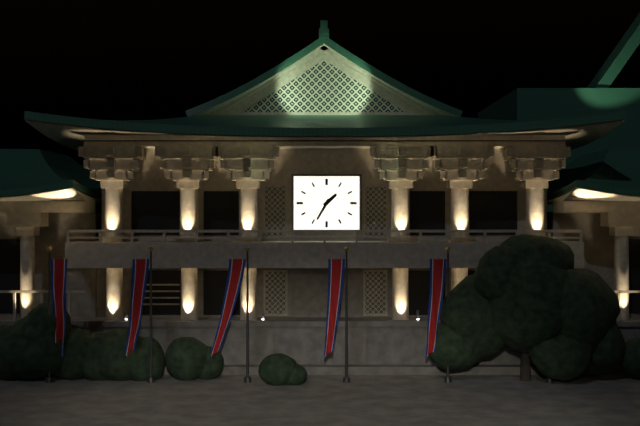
**1:35**
